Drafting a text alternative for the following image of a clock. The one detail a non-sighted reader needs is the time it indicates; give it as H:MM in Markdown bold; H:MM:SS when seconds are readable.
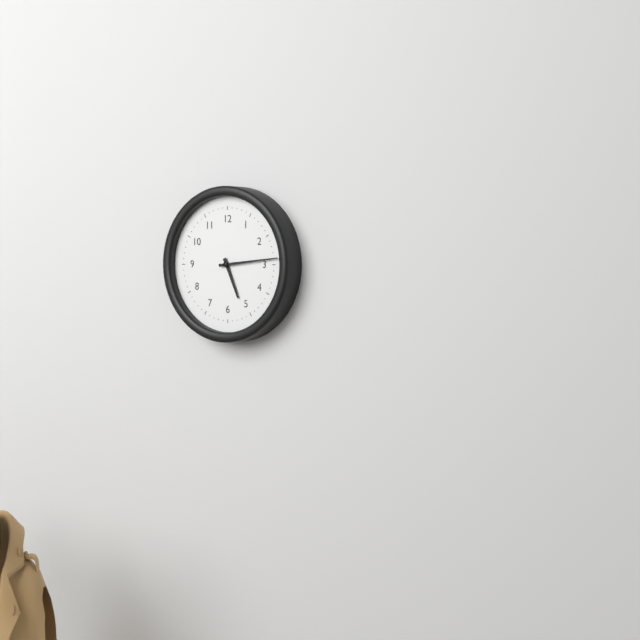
**5:14**
